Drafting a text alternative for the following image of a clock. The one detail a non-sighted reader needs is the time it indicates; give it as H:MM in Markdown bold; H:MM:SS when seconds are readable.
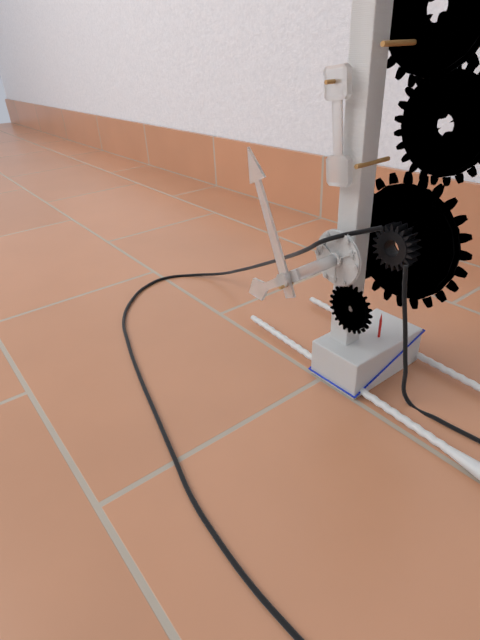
**7:56**
